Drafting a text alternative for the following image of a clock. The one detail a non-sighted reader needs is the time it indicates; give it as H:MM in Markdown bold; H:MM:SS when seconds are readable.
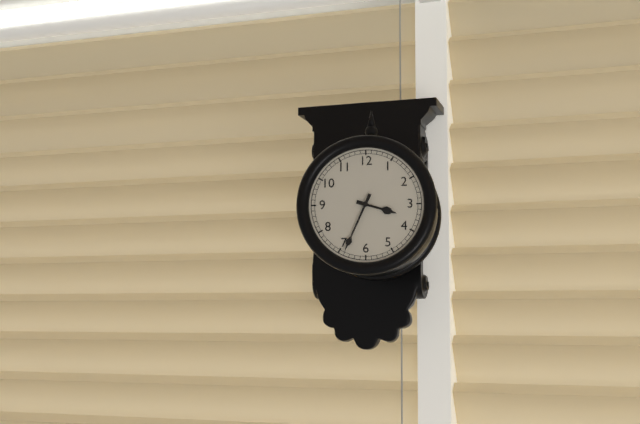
**3:34**
